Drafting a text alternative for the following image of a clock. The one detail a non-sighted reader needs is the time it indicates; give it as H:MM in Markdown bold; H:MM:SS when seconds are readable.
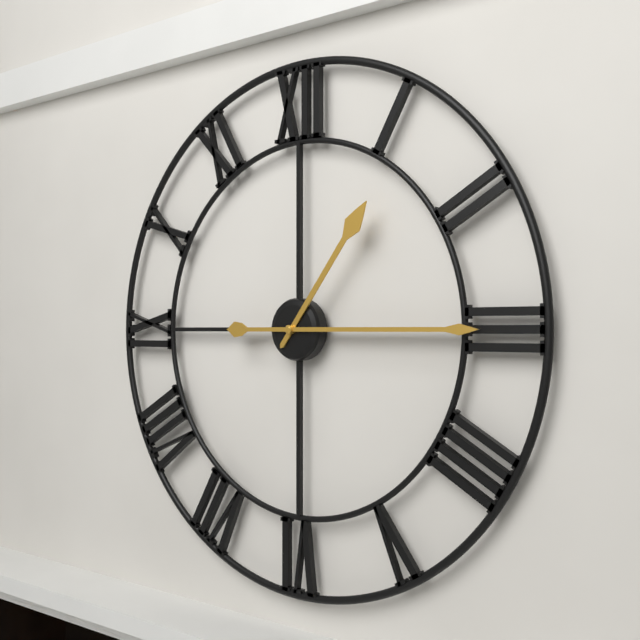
**1:15**
